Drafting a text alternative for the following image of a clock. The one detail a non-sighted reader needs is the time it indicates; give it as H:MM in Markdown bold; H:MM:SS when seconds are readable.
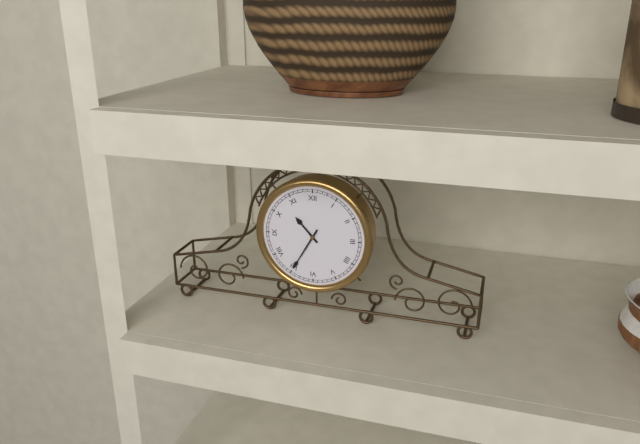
**10:35**
